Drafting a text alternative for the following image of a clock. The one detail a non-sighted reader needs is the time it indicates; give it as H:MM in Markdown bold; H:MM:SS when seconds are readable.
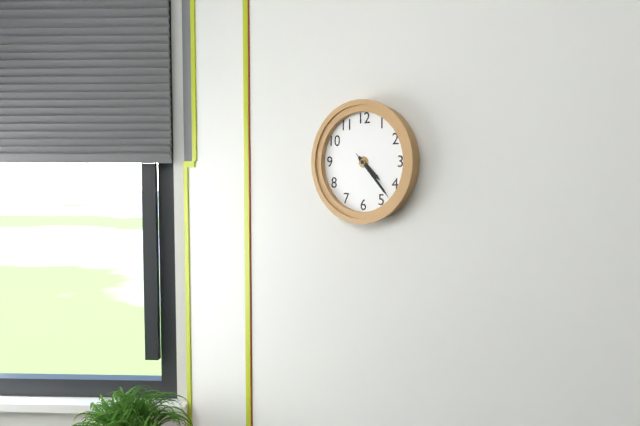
**4:23:23**
